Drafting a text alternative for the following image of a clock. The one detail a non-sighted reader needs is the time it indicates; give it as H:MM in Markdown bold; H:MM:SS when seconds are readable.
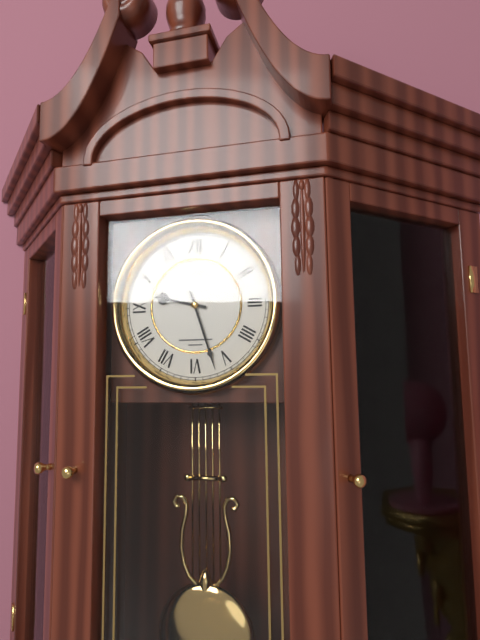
**9:27**
